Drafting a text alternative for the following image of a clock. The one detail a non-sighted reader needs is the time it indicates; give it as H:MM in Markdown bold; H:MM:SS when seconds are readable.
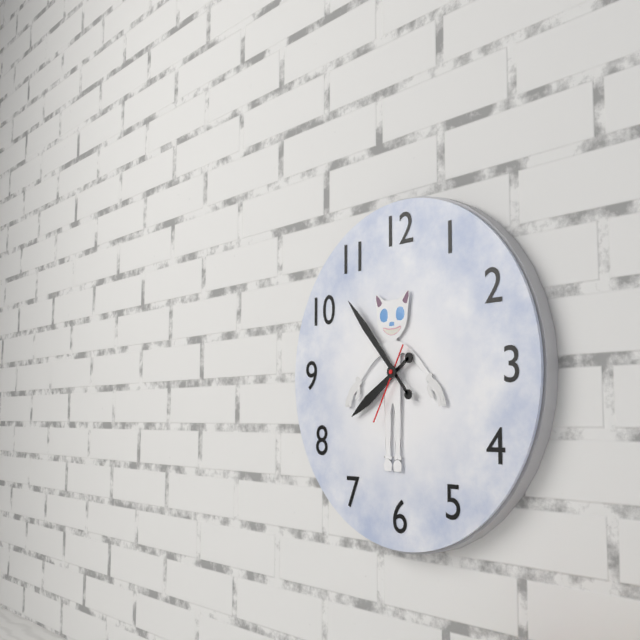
**7:53:35**
